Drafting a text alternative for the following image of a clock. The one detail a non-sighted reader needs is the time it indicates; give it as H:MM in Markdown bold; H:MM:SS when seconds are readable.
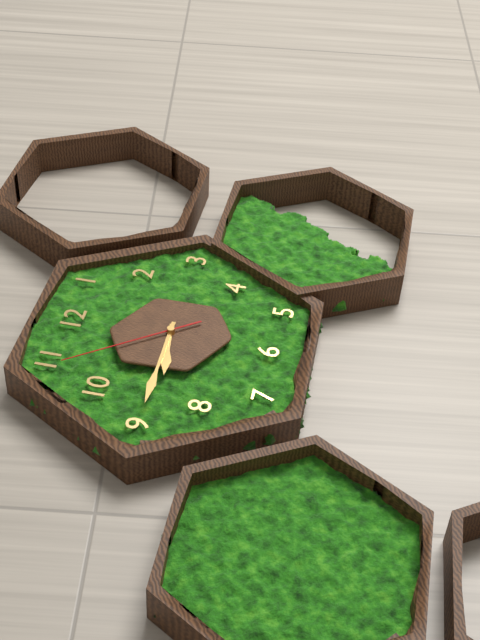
**8:45:54**
